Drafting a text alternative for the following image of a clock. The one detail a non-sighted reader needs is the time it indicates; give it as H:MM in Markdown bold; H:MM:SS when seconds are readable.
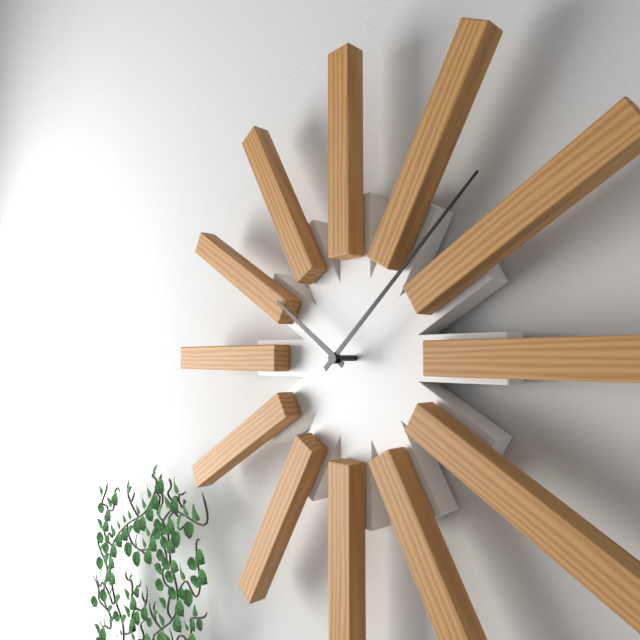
**10:08**
